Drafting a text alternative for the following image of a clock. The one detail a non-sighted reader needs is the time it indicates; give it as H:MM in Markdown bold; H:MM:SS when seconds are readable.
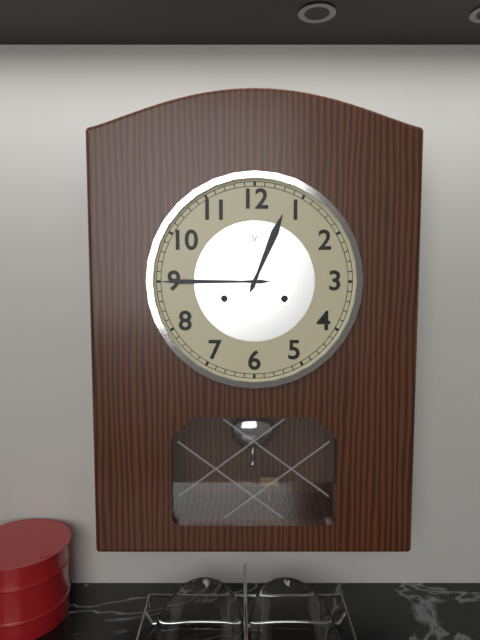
**12:45**
